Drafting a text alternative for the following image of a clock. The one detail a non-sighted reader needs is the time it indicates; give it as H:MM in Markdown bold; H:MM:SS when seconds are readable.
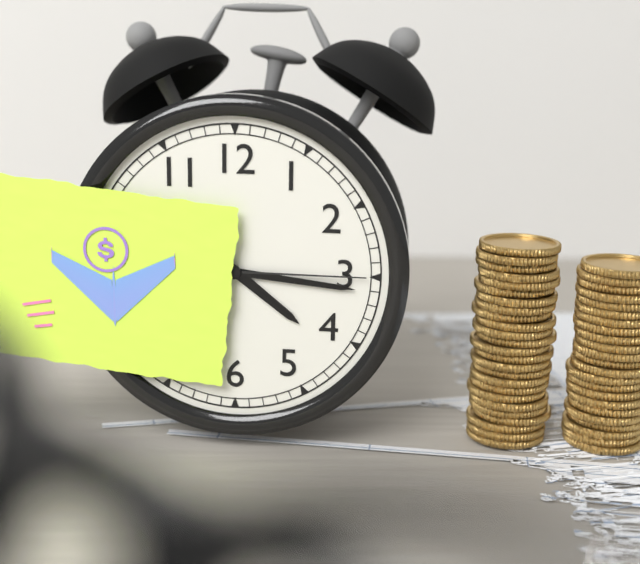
**4:16:15**
